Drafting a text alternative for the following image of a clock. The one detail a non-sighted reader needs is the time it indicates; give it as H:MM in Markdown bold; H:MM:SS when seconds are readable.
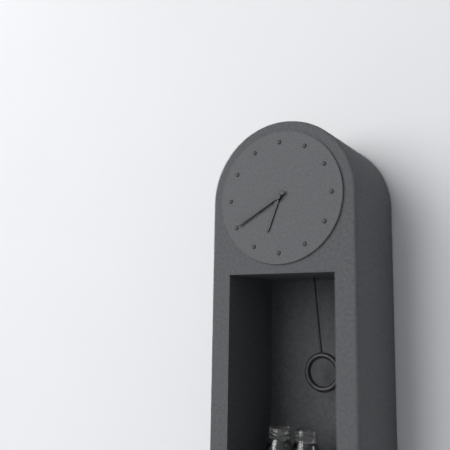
**6:40**
